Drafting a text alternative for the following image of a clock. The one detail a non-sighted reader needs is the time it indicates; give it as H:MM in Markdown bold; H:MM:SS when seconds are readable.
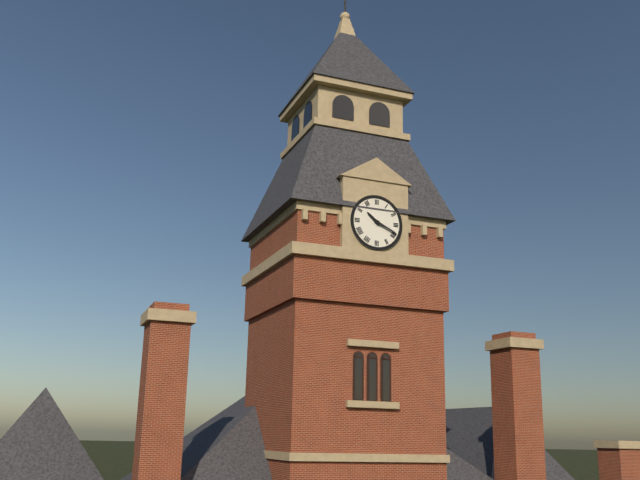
**10:19**
